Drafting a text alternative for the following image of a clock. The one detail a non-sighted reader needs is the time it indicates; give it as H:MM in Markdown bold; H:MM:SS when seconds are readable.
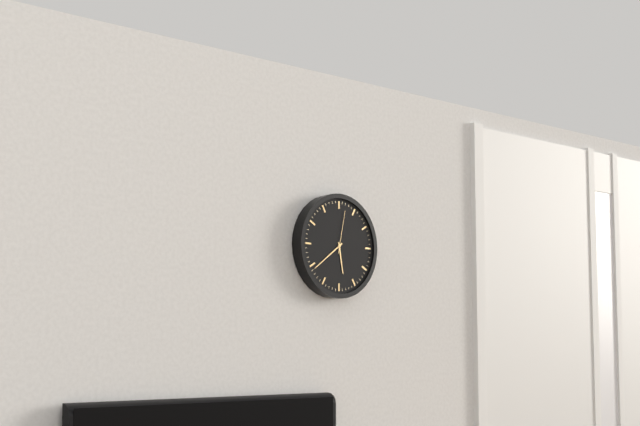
**5:39**
